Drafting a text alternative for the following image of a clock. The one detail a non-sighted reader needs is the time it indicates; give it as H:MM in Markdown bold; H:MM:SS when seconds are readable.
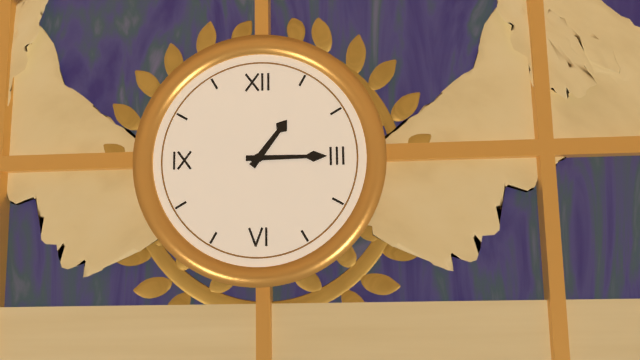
**1:15**
